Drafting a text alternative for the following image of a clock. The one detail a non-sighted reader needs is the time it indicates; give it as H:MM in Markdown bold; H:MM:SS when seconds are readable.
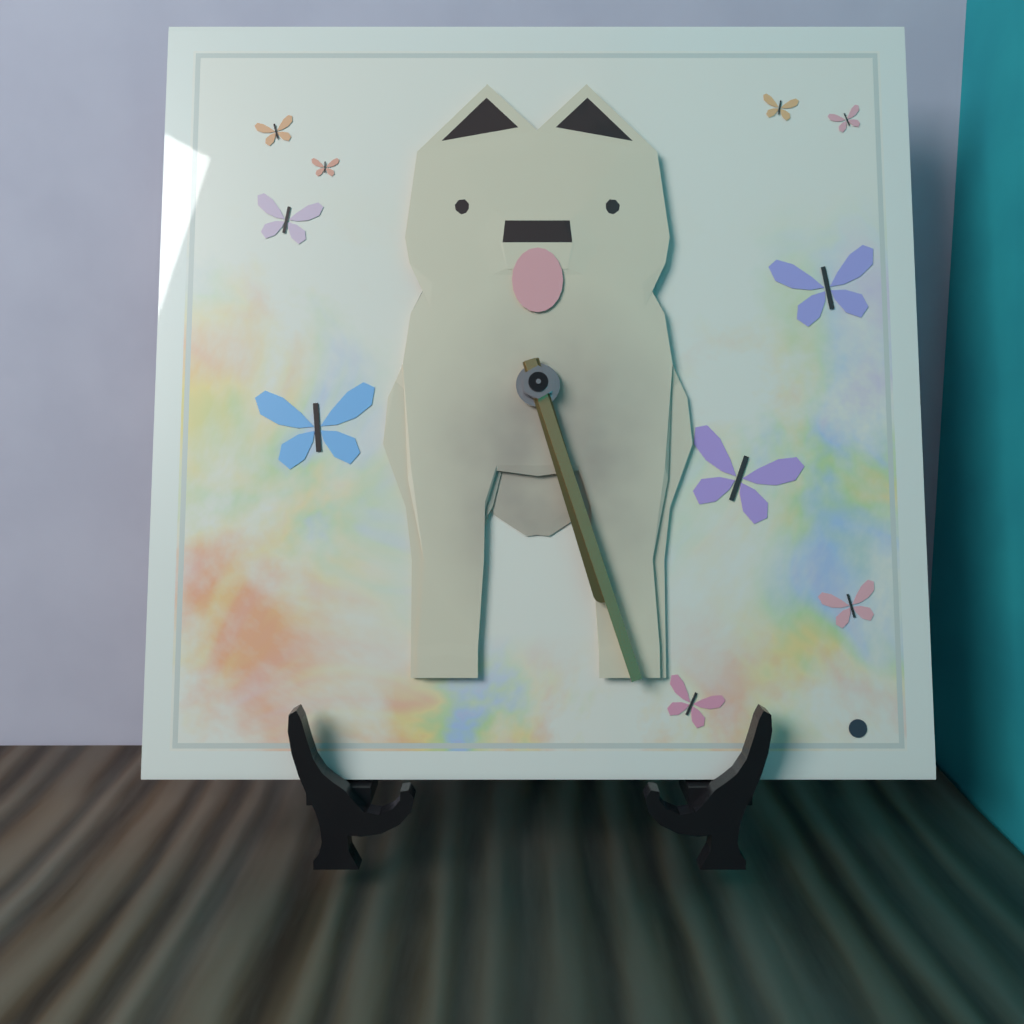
**5:27**
